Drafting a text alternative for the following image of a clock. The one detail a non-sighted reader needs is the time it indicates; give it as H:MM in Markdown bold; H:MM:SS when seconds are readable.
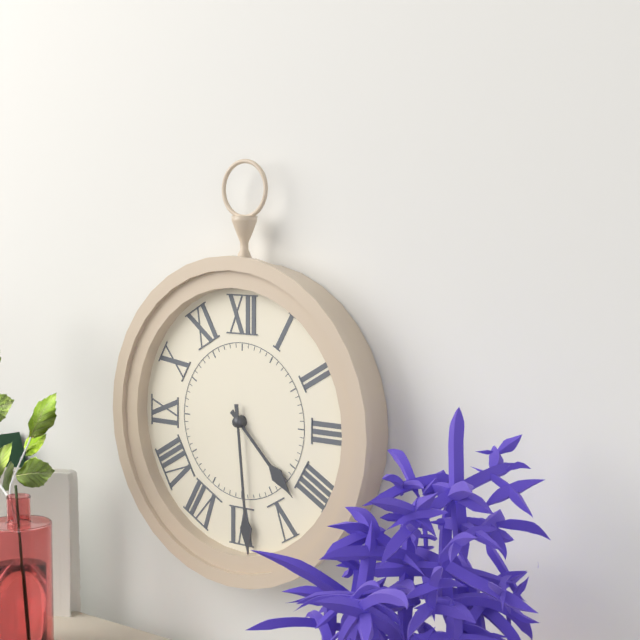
**4:29**
